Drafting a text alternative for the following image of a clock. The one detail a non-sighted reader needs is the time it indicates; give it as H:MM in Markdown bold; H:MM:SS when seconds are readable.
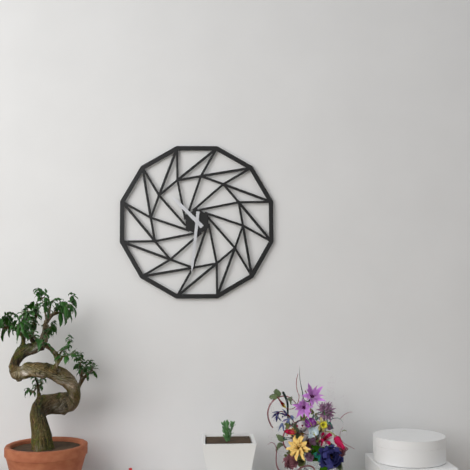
**10:31**
